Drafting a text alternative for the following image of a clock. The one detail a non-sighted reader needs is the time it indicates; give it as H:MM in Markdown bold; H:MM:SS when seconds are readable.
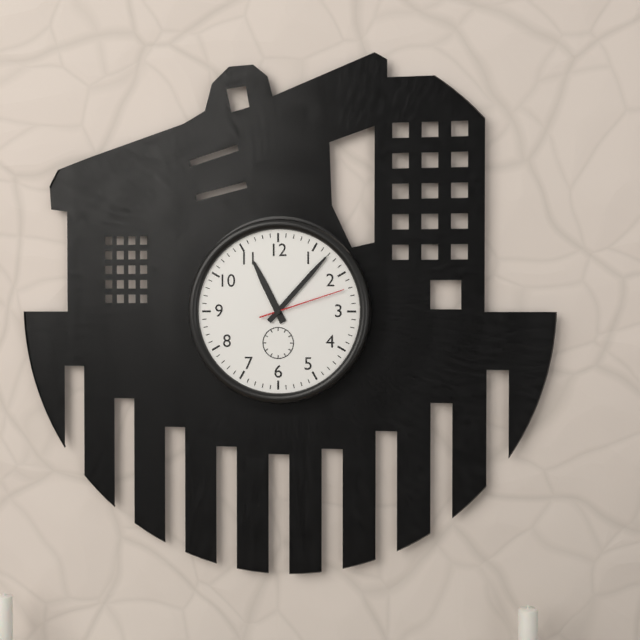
**11:07:12**
